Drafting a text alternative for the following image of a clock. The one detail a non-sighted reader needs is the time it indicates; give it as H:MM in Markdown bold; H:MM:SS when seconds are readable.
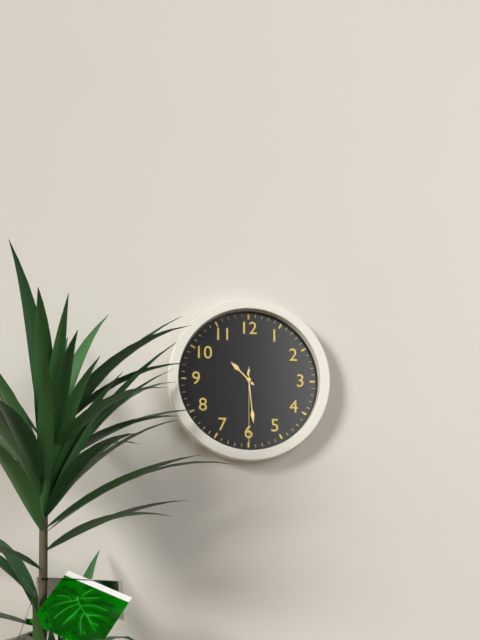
**10:29:30**
